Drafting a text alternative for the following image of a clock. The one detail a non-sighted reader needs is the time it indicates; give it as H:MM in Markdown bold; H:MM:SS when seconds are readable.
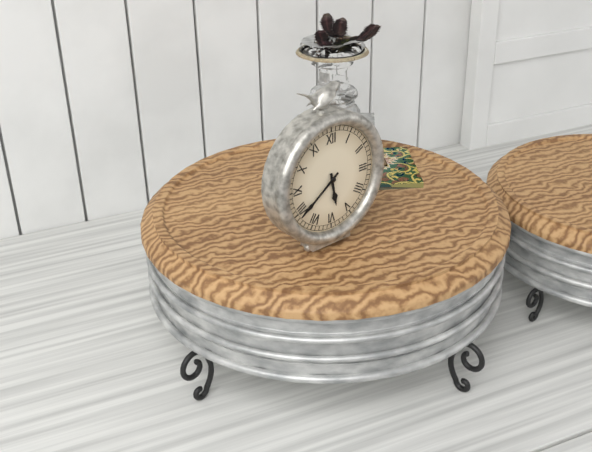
**5:39**
